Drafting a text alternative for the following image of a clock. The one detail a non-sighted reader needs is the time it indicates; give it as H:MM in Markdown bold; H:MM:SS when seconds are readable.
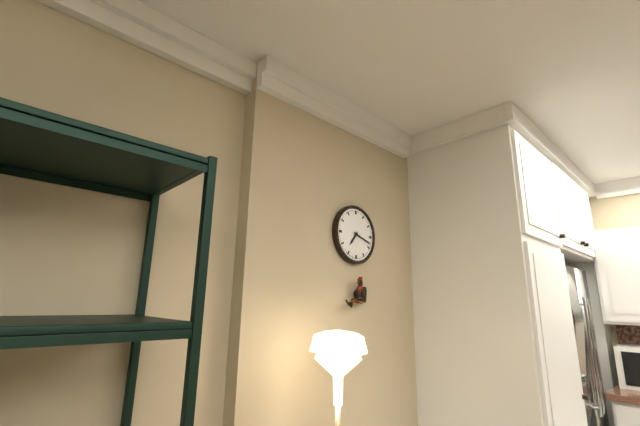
**7:18**
